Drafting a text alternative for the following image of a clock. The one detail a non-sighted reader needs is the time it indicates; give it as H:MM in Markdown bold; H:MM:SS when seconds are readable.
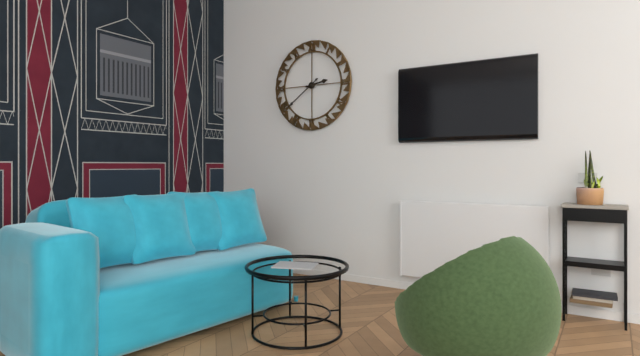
**2:39**
